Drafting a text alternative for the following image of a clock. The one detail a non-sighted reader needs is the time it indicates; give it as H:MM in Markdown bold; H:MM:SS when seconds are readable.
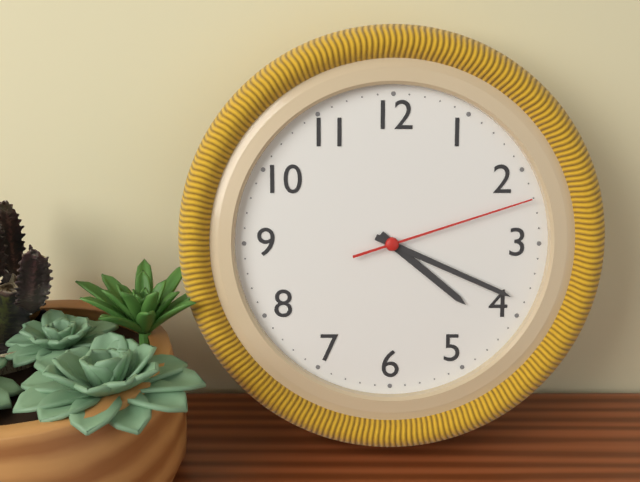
**4:19:12**
